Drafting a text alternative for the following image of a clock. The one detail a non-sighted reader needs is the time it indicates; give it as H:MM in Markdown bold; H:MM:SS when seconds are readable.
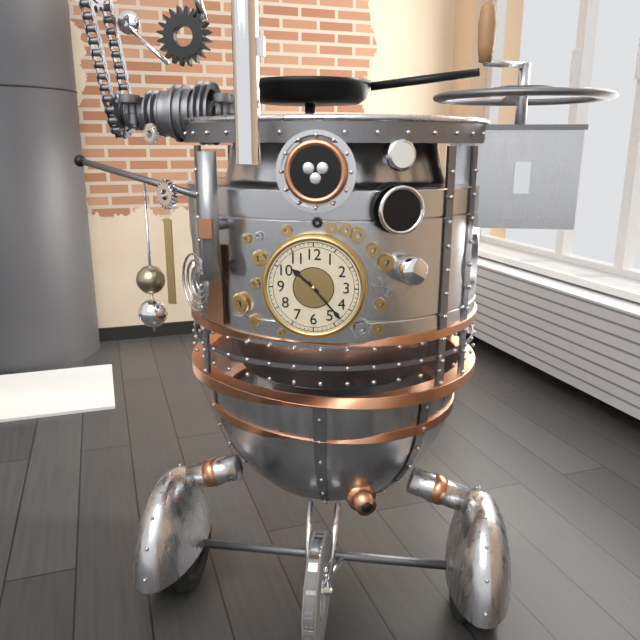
**10:23**
